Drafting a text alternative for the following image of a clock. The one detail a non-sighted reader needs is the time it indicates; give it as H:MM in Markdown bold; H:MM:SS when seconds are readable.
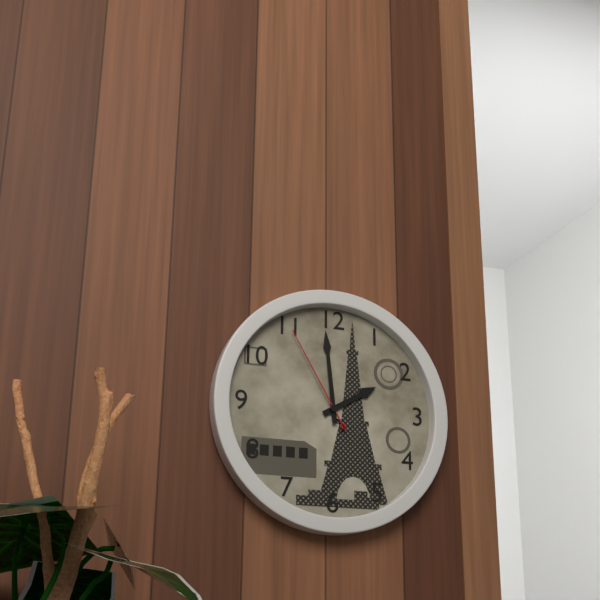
**1:59:55**
